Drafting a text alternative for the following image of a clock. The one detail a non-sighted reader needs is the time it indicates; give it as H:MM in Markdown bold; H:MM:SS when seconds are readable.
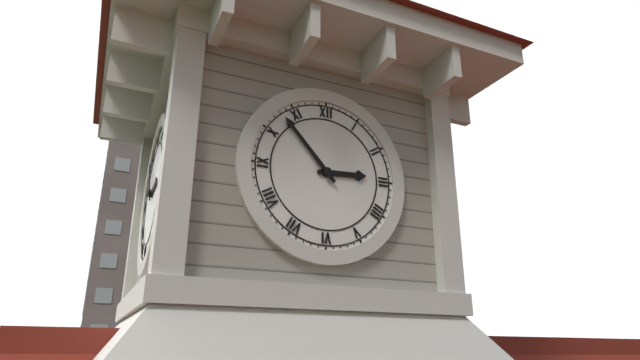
**2:53**
